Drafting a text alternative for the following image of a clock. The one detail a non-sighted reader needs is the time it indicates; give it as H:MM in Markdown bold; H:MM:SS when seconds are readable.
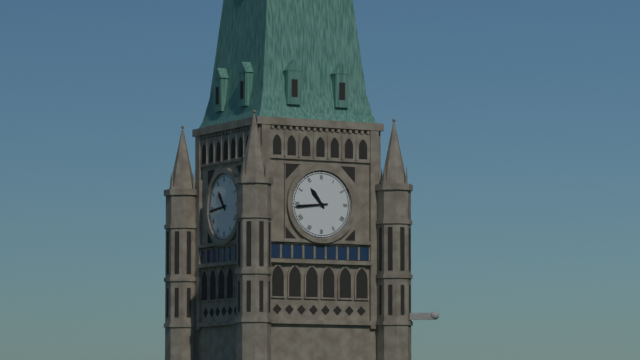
**10:44**
